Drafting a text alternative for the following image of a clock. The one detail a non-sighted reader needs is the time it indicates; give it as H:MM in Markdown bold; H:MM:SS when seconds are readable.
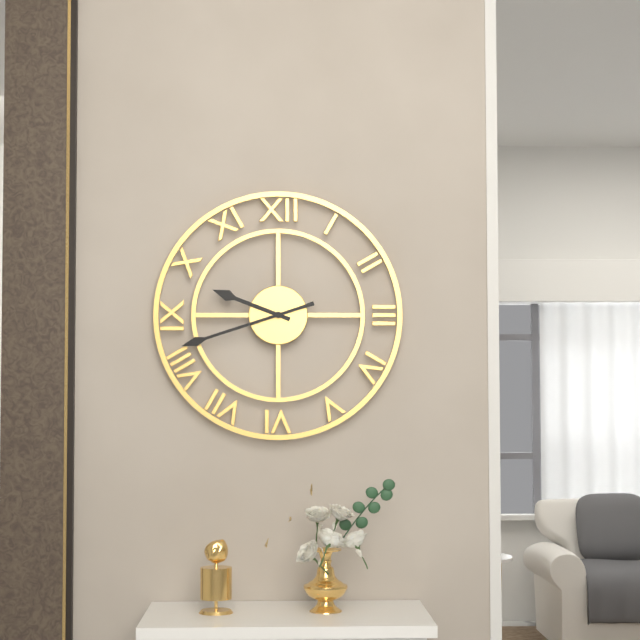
**9:42**
